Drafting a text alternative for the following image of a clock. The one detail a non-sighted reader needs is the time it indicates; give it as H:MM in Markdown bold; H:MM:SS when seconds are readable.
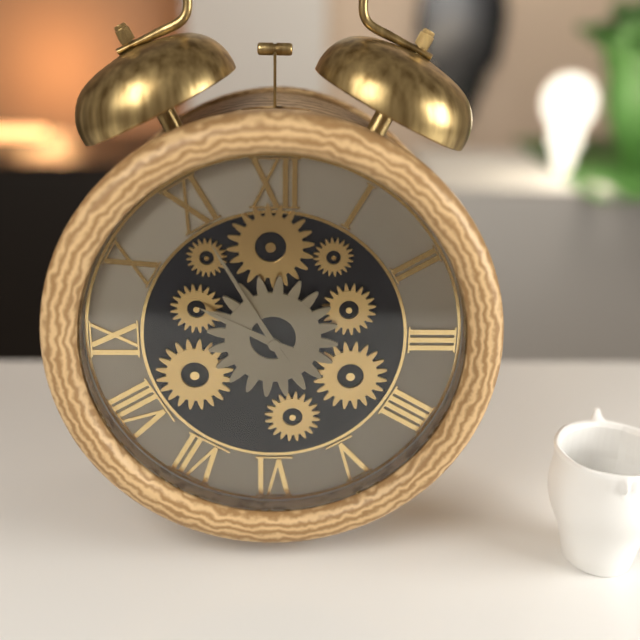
**9:55**
